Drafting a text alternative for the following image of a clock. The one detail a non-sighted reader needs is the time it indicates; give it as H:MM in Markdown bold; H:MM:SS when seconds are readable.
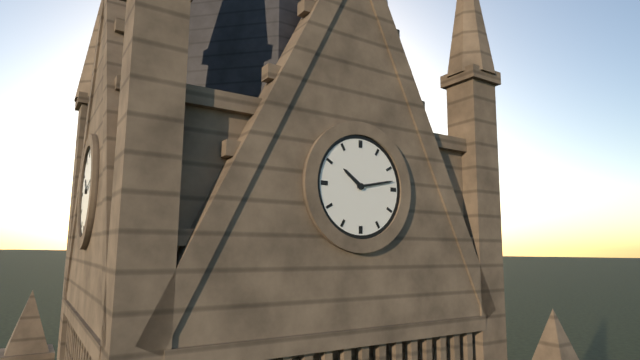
**10:13**
